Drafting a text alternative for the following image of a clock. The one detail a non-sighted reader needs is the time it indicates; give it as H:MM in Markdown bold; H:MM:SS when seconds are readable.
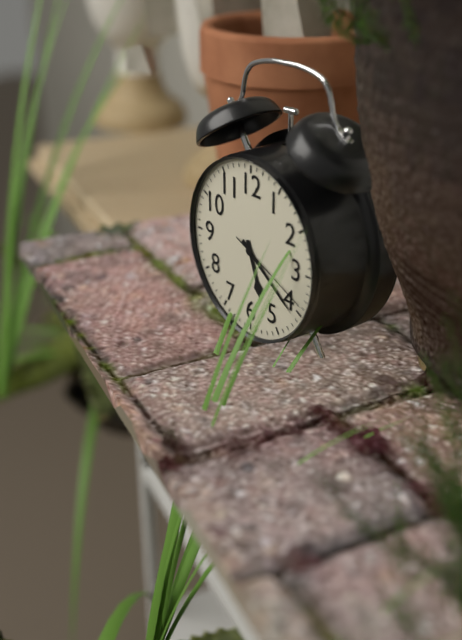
**5:21:19**
